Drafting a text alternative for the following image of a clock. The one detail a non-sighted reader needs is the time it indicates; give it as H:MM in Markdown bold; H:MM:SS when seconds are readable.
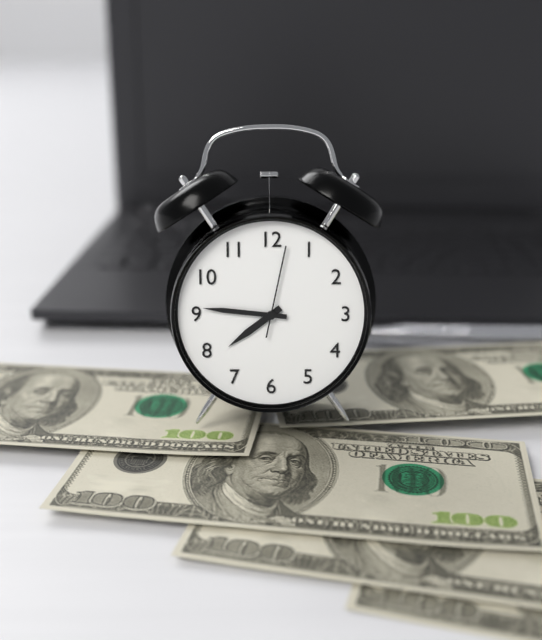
**7:46:02**
